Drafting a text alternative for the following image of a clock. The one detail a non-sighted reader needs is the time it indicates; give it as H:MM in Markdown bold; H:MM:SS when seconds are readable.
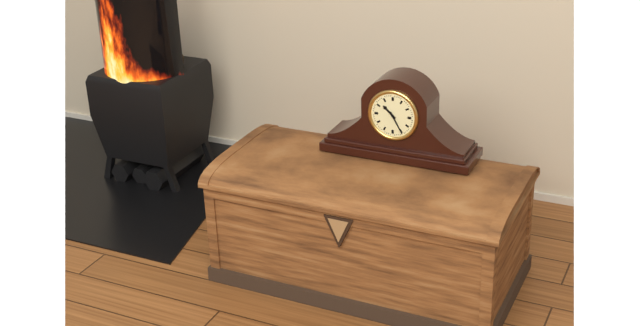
**10:25**
